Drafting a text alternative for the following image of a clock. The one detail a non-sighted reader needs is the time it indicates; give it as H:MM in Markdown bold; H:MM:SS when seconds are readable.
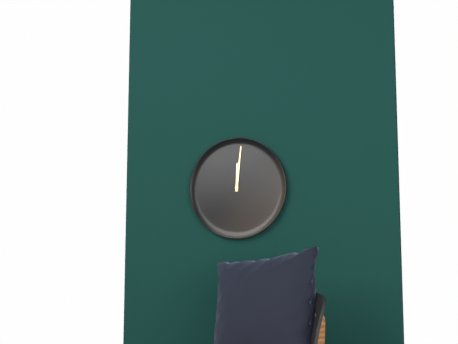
**12:01**
